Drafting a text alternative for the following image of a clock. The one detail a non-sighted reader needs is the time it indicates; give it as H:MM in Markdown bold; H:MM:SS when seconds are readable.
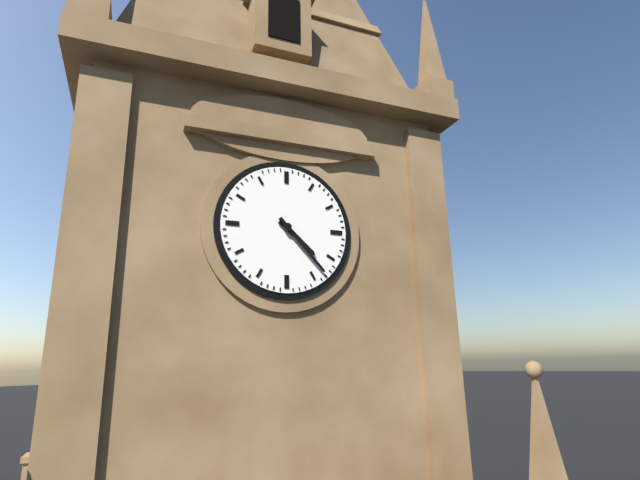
**4:23**
